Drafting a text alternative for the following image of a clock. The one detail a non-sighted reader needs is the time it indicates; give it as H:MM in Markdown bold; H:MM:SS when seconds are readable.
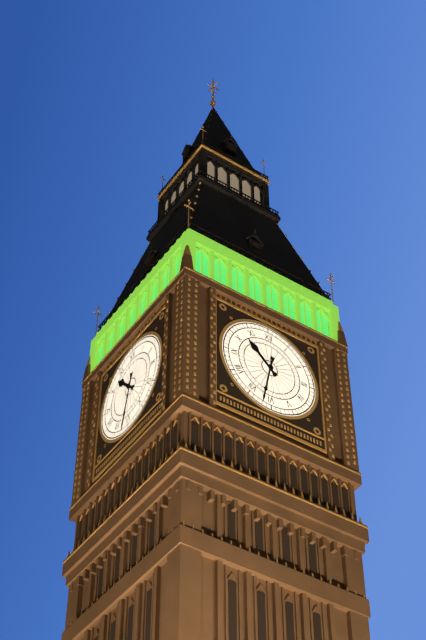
**10:32**
